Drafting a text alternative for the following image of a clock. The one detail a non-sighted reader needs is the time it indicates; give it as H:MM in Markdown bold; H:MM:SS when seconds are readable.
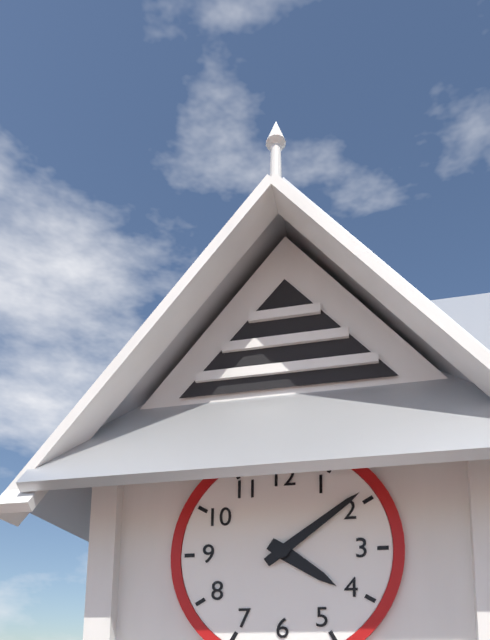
**4:09**
